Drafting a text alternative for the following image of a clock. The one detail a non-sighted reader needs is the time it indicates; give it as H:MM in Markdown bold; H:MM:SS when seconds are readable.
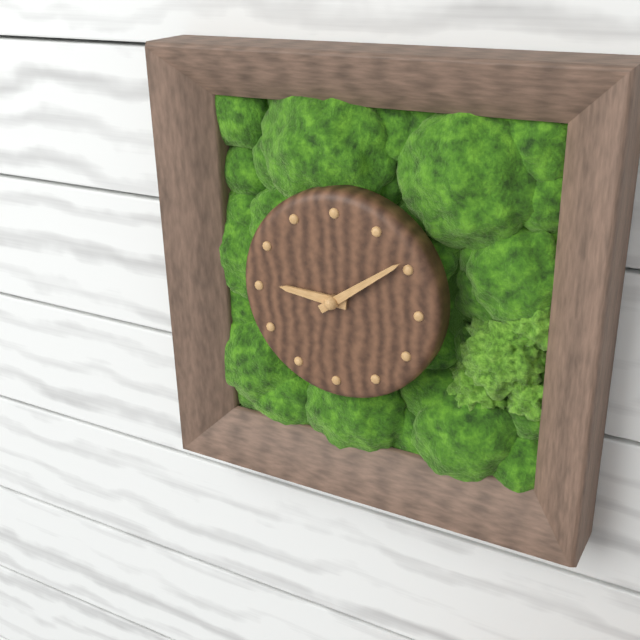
**9:09**
